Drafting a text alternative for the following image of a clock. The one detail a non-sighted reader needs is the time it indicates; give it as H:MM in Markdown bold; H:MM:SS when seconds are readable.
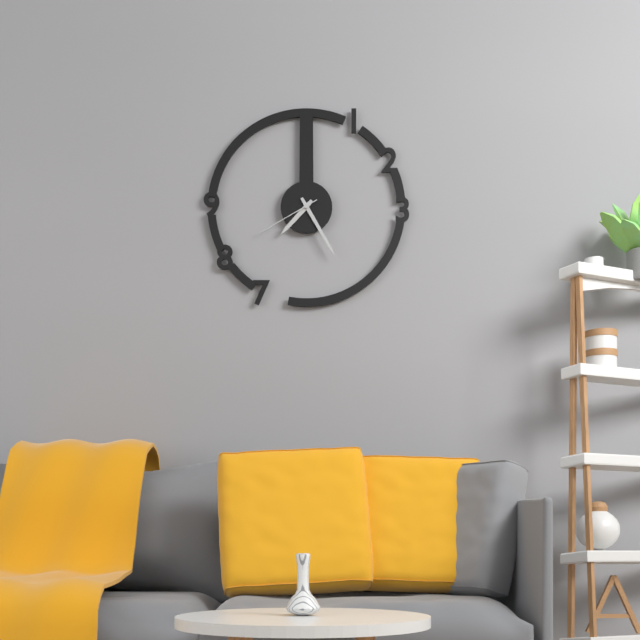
**7:25:40**
